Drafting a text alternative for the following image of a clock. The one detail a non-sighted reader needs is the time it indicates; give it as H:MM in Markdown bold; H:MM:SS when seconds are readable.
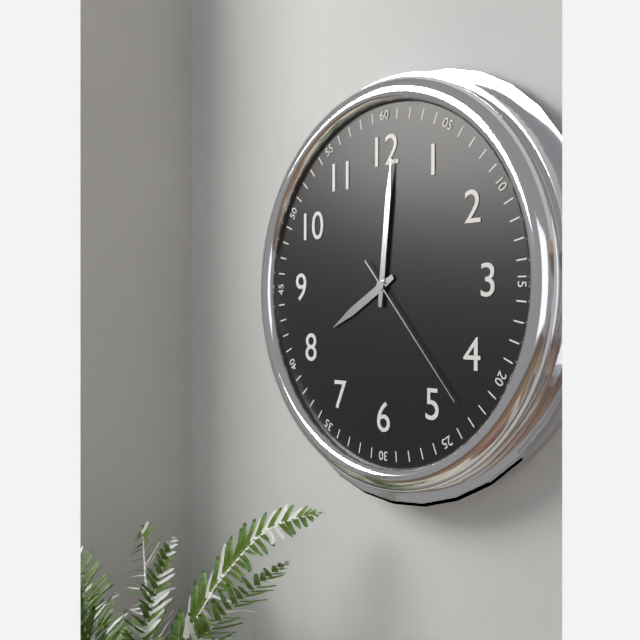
**8:01:23**
